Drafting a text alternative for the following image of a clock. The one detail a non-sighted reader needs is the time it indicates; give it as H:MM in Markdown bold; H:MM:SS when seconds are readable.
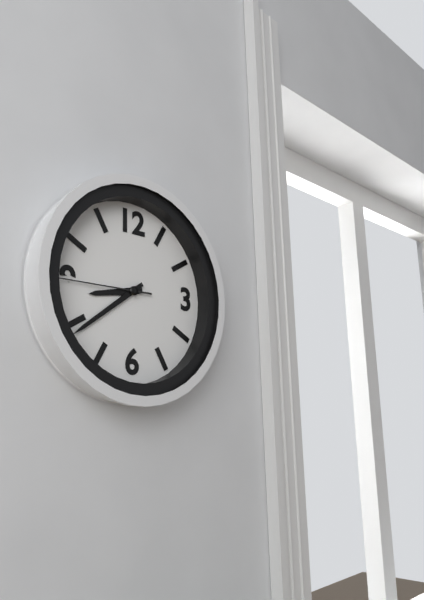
**8:39:45**
